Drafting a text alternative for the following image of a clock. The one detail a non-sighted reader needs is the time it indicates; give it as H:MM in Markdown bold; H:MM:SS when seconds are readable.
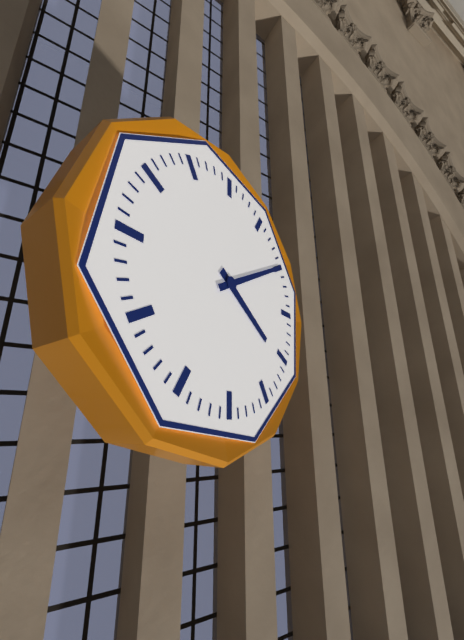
**4:10**
